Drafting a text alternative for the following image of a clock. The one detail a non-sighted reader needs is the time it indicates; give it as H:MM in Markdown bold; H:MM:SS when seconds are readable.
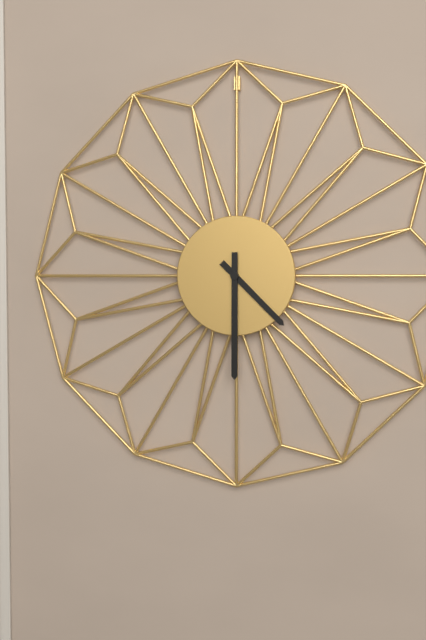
**4:30**
